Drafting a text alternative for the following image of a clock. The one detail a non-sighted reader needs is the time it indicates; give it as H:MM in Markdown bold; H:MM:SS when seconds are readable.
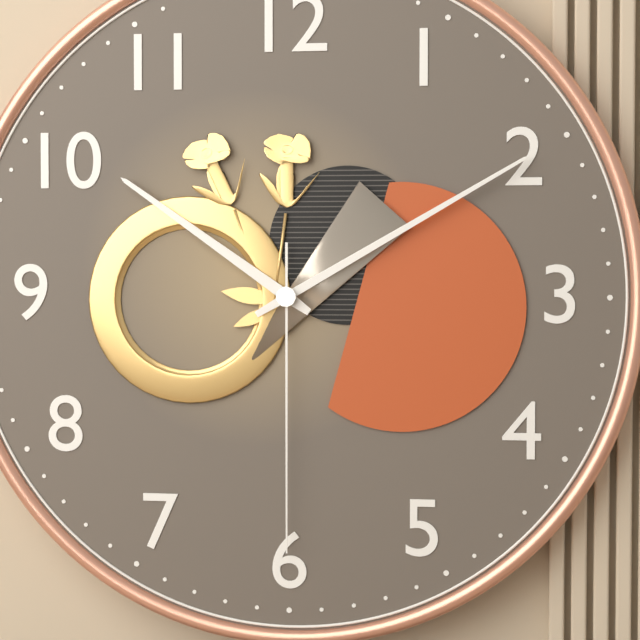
**10:10:30**
